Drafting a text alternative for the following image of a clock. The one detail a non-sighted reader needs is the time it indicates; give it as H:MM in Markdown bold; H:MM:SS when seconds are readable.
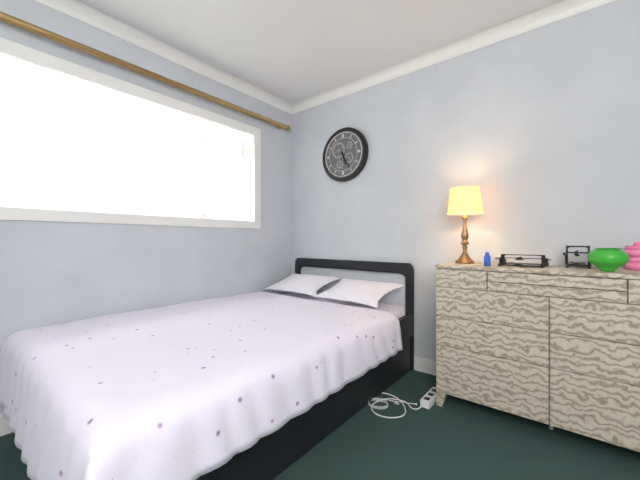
**5:25**
